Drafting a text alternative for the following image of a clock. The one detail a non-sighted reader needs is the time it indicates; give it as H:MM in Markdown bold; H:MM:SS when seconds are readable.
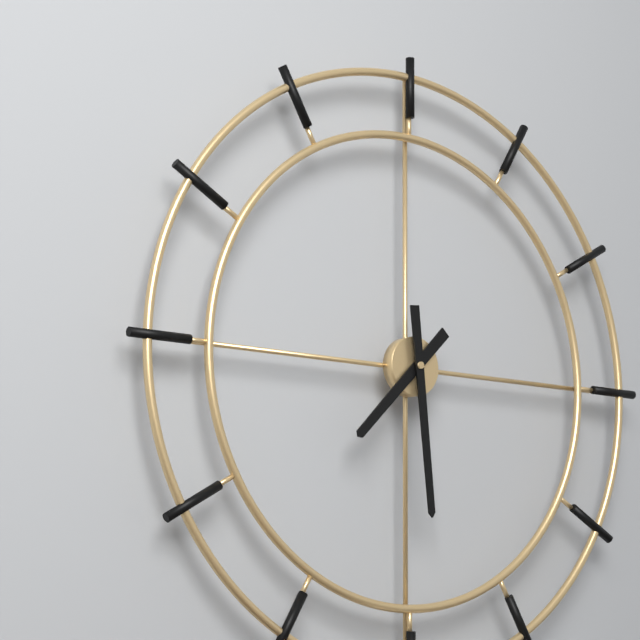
**7:29**
